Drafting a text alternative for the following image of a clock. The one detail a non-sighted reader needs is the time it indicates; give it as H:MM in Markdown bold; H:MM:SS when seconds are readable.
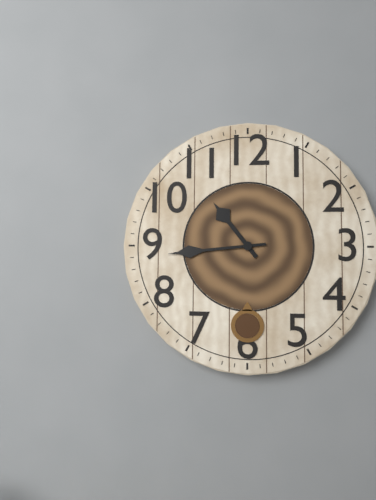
**10:44**
